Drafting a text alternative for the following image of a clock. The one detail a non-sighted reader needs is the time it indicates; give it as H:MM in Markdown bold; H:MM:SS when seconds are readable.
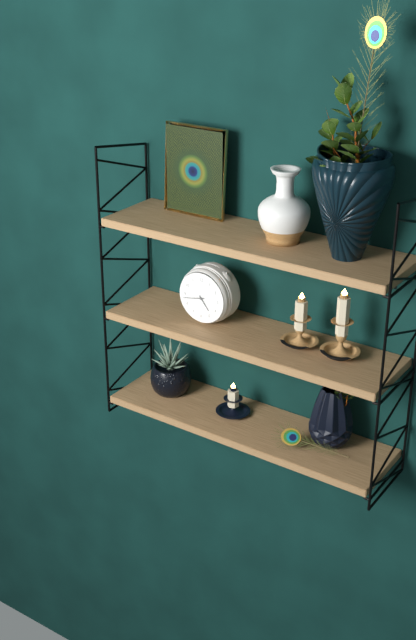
**4:43**
